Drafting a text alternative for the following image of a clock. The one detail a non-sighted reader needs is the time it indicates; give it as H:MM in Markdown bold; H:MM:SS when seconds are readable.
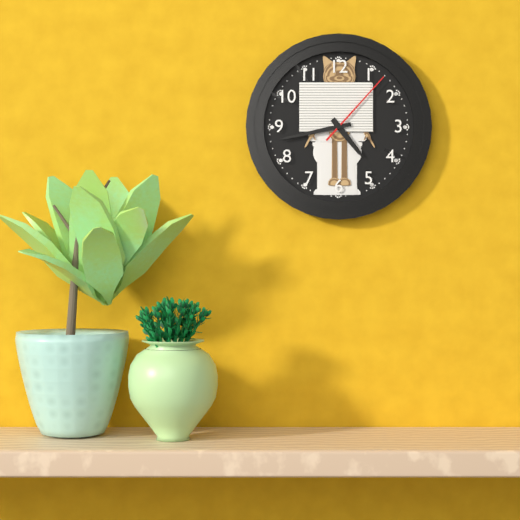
**4:43:07**
